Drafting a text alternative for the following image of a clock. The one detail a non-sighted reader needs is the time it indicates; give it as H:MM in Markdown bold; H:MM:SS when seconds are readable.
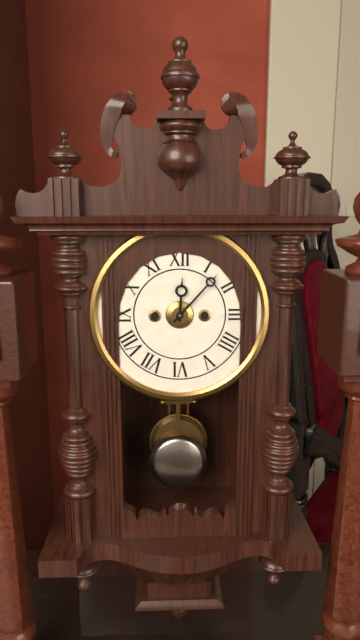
**12:07**
